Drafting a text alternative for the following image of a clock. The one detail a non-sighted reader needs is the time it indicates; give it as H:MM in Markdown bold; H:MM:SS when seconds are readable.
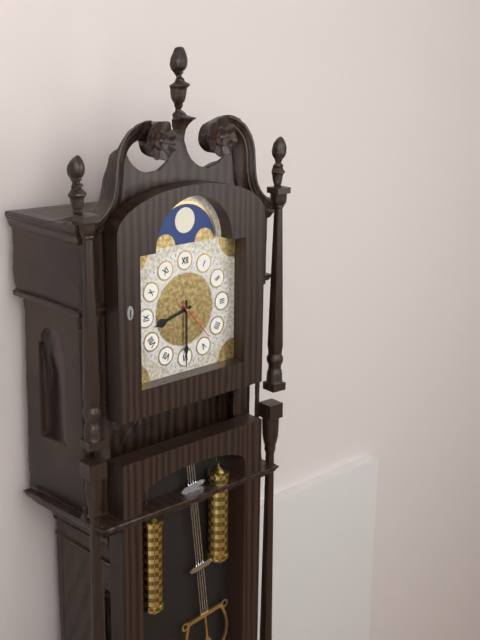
**8:30**
